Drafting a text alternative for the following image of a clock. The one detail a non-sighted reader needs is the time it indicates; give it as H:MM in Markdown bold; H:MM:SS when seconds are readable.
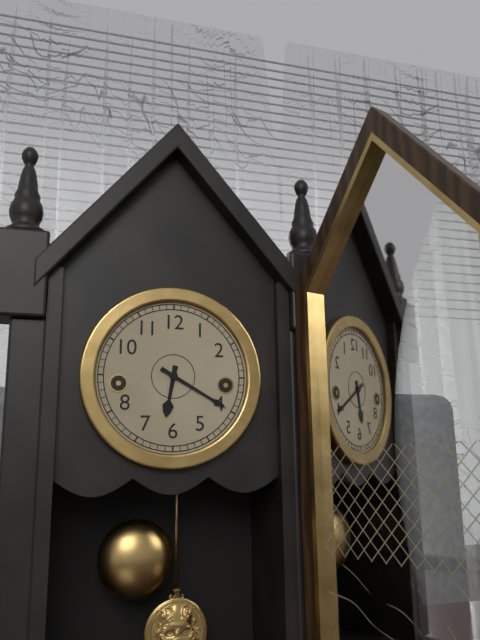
**6:20**
